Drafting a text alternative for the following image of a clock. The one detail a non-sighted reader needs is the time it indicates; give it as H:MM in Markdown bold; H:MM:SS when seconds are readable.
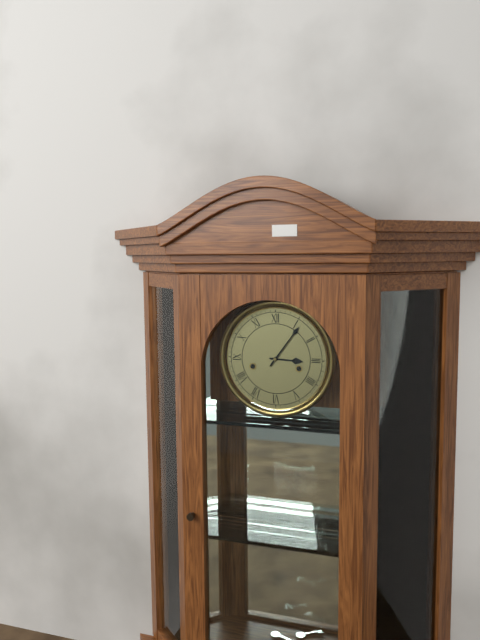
**3:06**
